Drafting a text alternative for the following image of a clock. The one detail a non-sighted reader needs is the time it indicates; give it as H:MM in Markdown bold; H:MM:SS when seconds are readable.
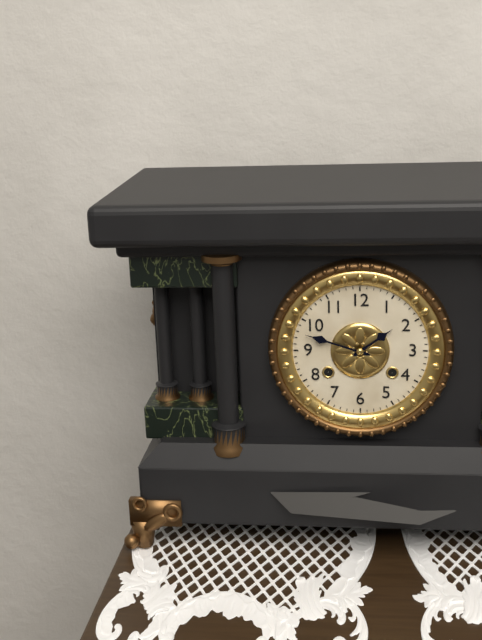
**1:48**
